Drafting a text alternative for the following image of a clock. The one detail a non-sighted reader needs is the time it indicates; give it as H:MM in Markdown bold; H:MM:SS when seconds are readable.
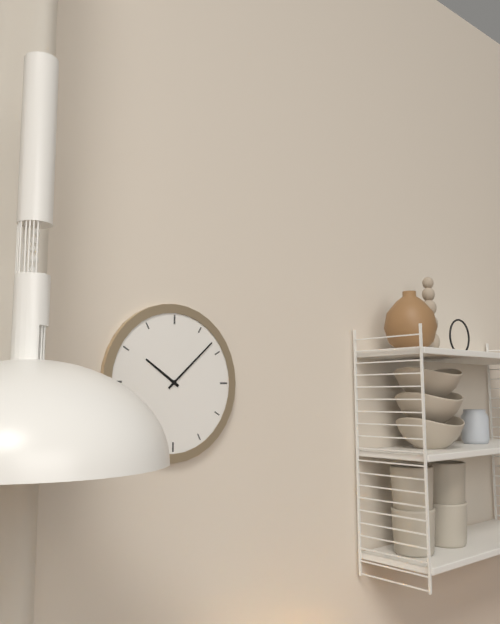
**10:08**
